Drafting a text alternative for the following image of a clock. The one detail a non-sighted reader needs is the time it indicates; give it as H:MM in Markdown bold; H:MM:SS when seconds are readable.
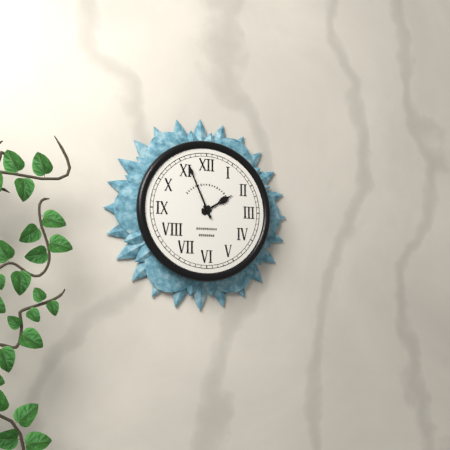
**1:56**
